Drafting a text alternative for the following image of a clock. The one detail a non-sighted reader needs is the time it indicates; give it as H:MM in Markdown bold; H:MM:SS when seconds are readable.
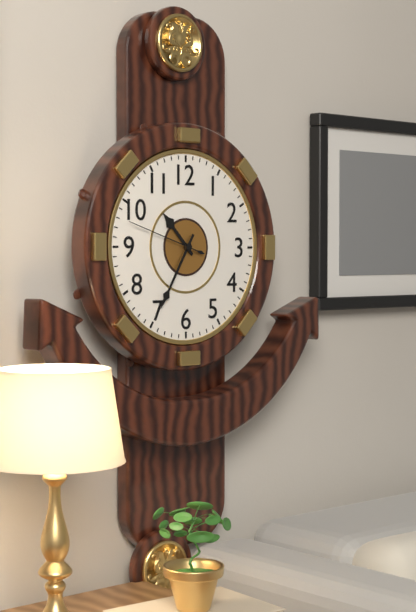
**10:35:48**
